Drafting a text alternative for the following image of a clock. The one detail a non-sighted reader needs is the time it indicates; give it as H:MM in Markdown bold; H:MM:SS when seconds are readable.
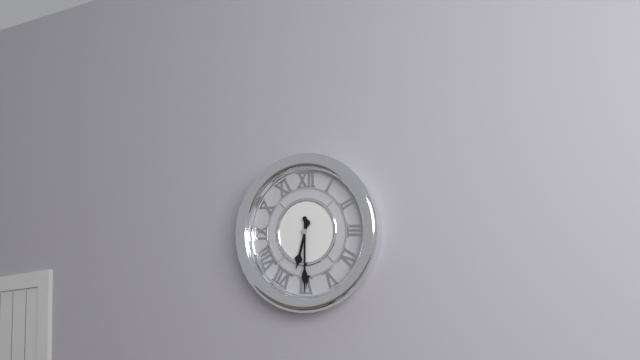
**6:30**
